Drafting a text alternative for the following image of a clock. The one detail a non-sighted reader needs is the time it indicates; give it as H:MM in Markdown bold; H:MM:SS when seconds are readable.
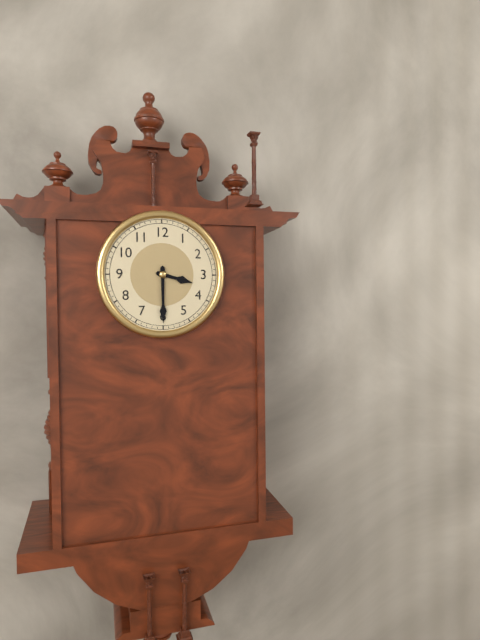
**3:30**
